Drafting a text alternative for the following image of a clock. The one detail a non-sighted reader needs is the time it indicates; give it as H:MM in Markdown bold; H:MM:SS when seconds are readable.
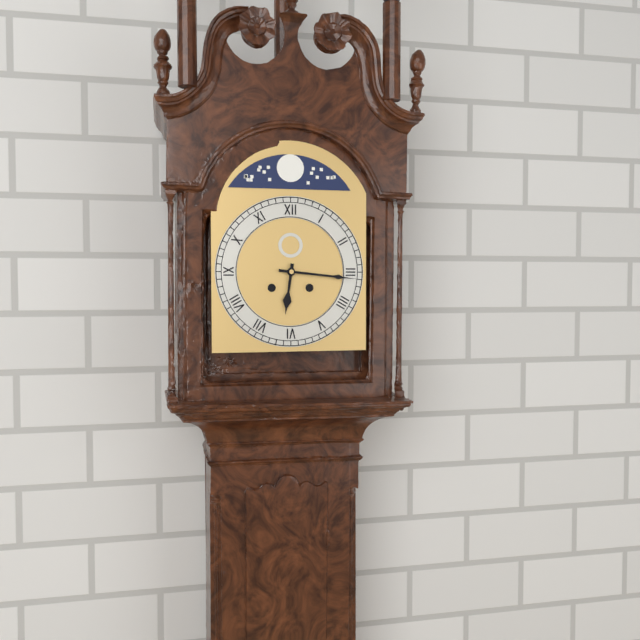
**6:16**
